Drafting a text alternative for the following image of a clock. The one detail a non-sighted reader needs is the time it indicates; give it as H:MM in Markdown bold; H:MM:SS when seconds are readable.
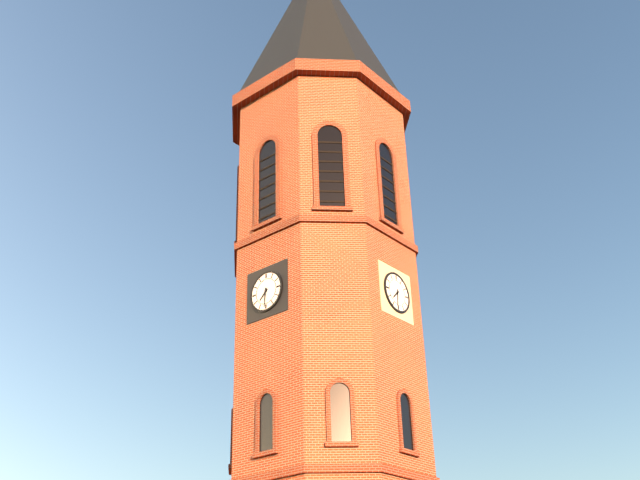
**7:31**
